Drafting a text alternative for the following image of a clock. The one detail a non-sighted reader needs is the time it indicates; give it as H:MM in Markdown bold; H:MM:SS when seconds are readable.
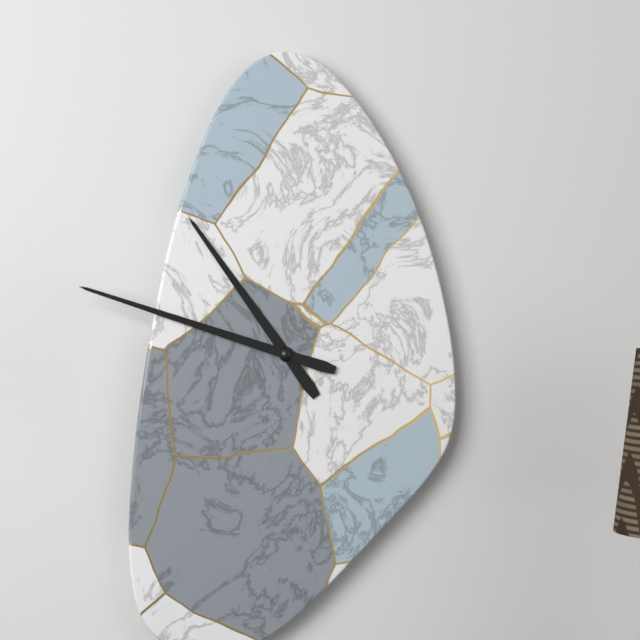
**10:48**
